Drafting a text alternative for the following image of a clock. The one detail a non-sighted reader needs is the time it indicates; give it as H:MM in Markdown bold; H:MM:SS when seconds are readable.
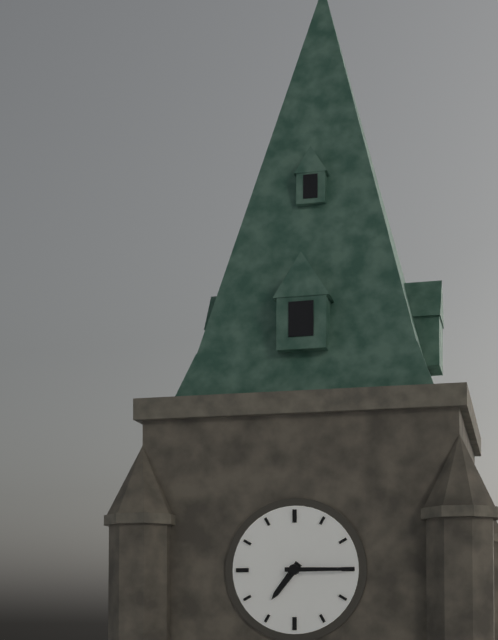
**7:15**
